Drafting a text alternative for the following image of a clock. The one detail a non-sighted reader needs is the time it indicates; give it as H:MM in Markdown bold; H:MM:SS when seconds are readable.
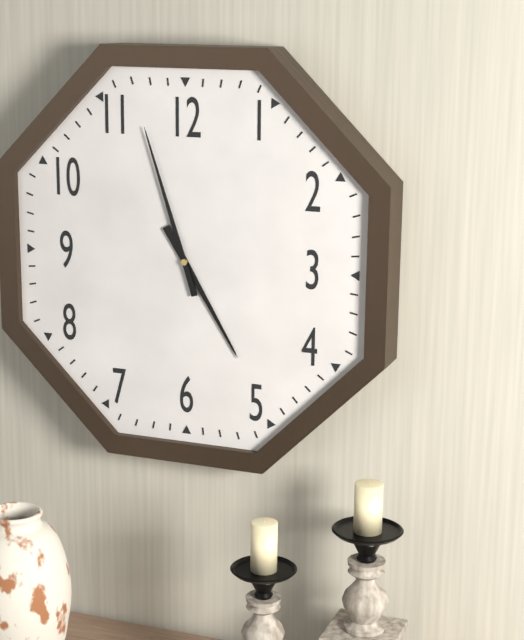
**4:57**
